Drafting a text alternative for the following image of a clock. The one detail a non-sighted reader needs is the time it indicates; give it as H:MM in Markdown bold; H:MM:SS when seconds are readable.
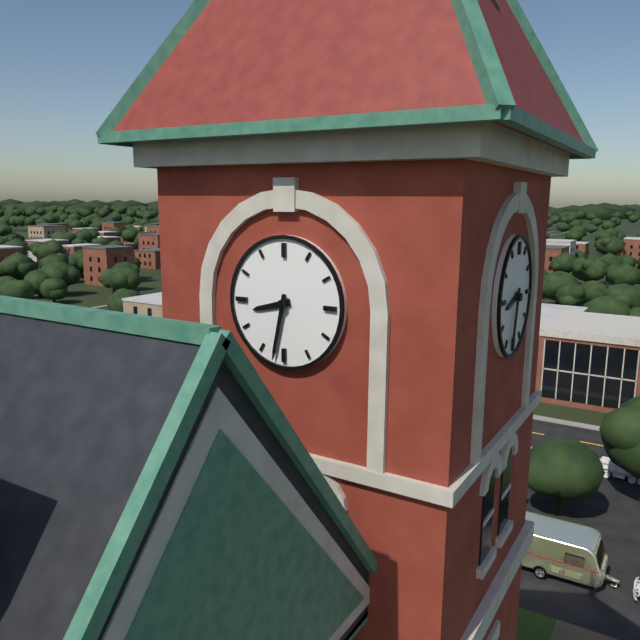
**8:32**
